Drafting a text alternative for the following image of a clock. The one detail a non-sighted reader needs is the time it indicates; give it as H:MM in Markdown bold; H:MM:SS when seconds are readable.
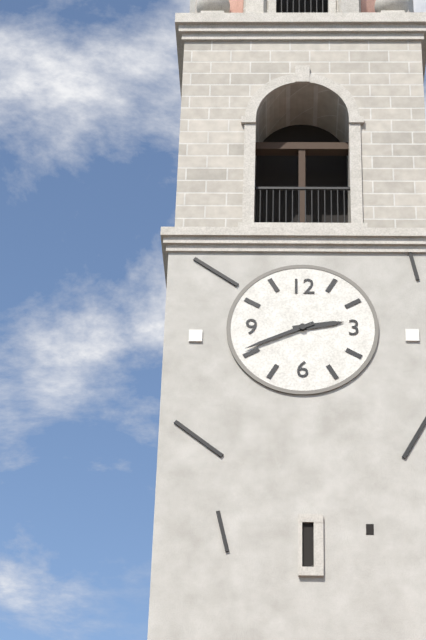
**2:41**
